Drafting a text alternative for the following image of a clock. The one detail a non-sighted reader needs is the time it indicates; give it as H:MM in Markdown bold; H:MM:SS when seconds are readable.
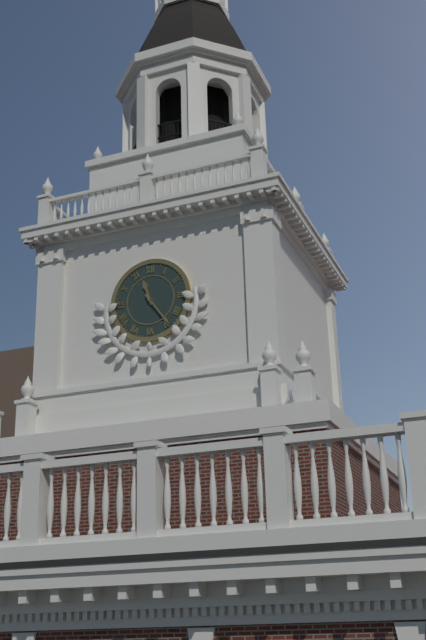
**11:24**
